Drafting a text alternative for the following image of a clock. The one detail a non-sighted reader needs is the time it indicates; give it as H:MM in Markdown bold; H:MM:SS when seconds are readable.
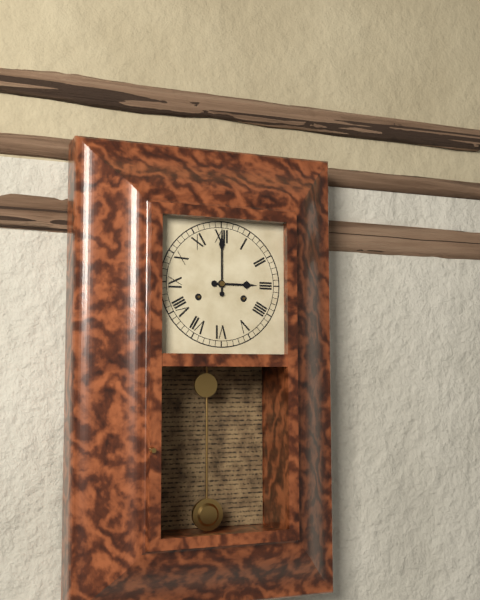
**3:00**
